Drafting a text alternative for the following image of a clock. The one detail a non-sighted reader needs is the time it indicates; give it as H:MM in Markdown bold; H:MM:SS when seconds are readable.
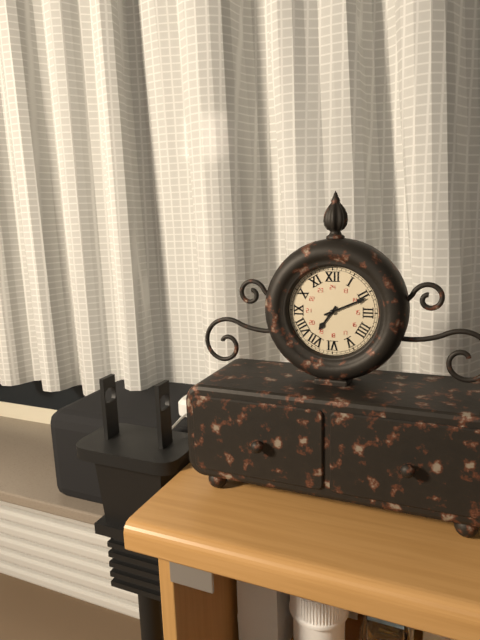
**7:11**
